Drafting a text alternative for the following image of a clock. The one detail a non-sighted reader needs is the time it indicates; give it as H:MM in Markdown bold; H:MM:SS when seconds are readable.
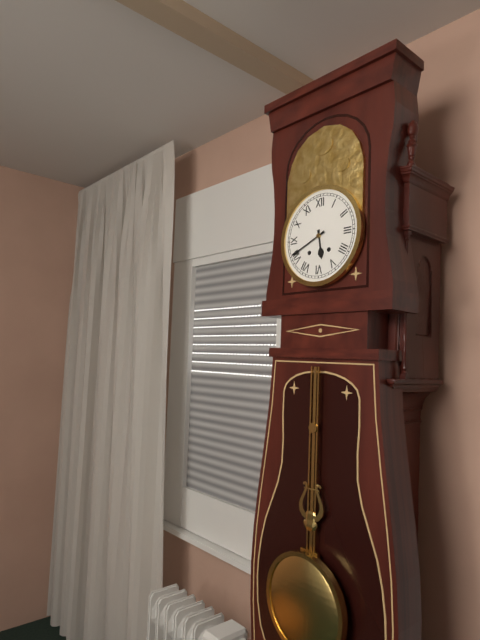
**5:41**
